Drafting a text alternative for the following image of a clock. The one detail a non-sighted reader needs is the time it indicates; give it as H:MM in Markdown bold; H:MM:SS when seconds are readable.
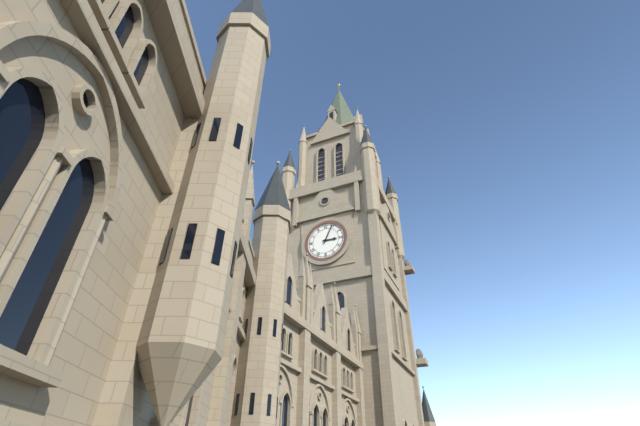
**3:04**
